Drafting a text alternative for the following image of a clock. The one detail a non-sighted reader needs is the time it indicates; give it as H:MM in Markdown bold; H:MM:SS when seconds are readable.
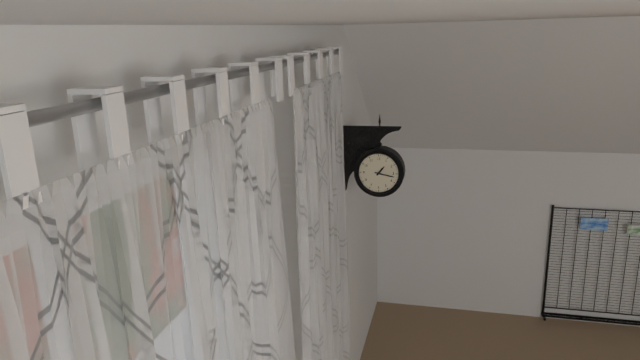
**1:17**
